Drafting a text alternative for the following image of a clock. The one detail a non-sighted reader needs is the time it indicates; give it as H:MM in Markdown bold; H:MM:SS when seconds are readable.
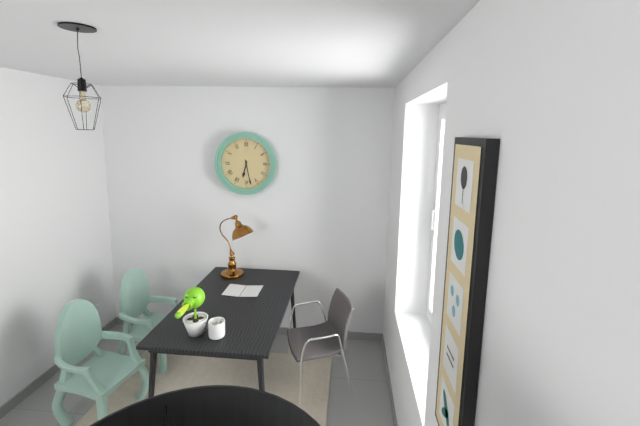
**6:28**
